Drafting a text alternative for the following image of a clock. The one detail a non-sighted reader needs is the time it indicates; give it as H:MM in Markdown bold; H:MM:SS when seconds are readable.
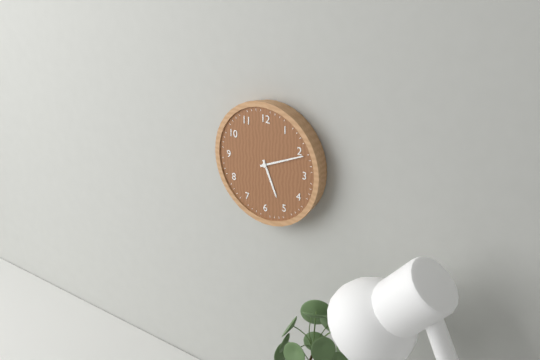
**5:11**
